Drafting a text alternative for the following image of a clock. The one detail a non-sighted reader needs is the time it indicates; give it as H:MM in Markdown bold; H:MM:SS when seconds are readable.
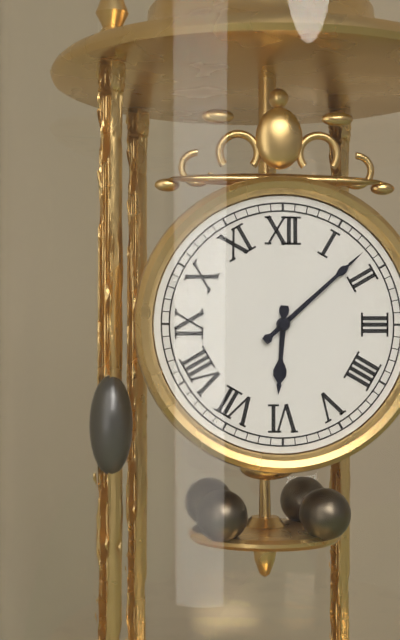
**6:08**
